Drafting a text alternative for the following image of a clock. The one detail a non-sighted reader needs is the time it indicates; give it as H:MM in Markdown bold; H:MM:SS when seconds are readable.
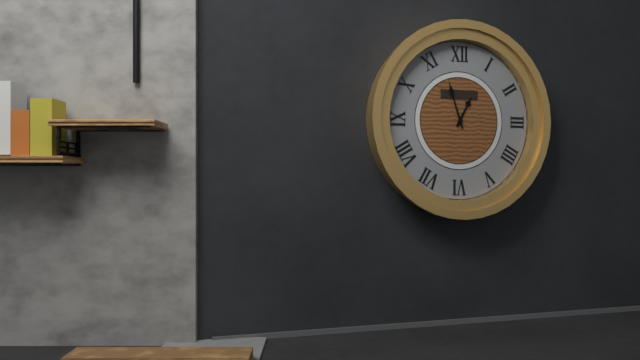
**12:57**
